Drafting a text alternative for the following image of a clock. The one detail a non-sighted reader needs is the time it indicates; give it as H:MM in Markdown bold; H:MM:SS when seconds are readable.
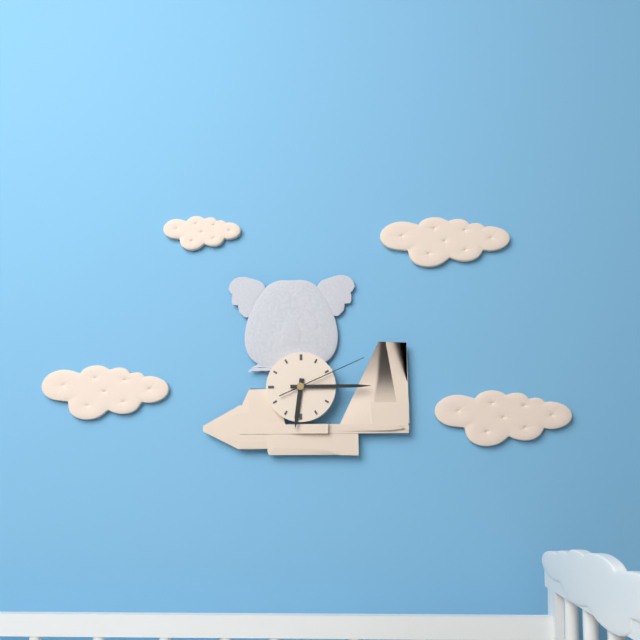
**6:15:11**
